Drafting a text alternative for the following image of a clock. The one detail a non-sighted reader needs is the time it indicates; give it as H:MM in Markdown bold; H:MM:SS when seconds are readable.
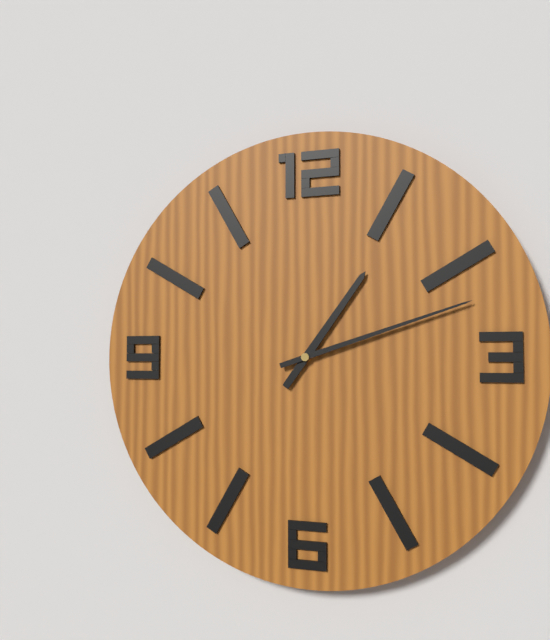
**1:12**
